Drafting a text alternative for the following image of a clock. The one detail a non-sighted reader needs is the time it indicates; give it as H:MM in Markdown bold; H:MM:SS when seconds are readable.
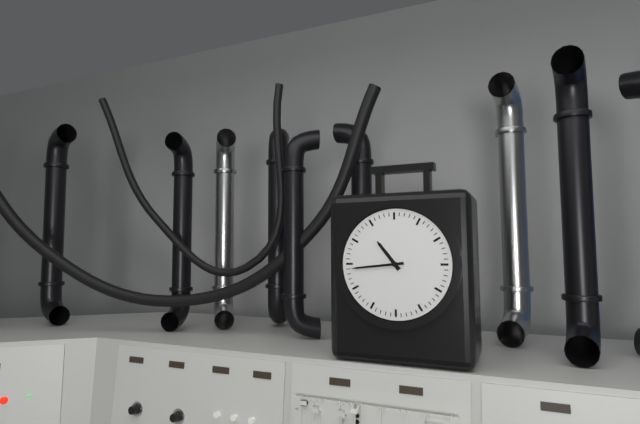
**10:44**
